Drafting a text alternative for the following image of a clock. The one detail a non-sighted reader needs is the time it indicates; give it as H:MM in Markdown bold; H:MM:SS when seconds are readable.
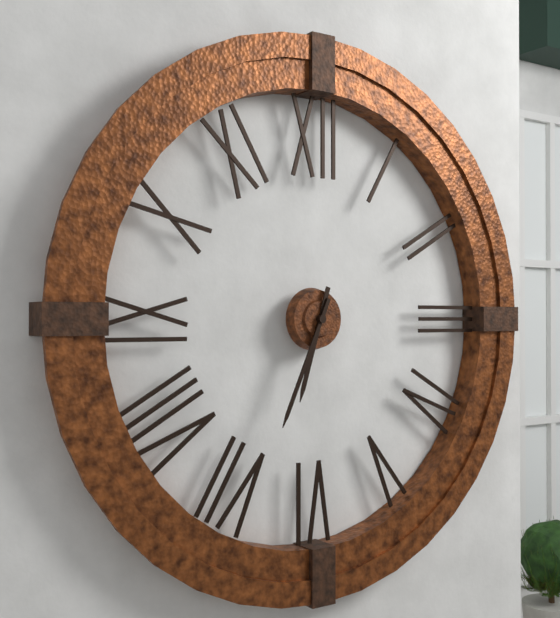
**6:34**
